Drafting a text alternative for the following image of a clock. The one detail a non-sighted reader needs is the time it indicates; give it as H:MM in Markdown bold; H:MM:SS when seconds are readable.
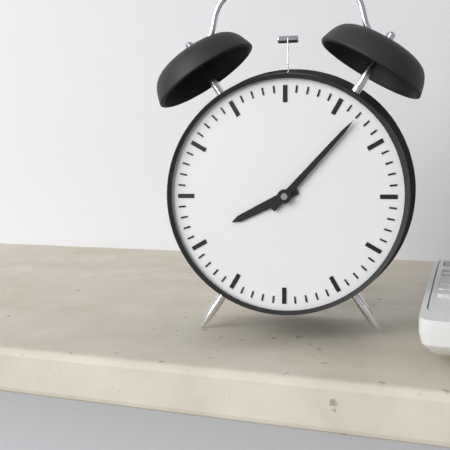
**8:07**
